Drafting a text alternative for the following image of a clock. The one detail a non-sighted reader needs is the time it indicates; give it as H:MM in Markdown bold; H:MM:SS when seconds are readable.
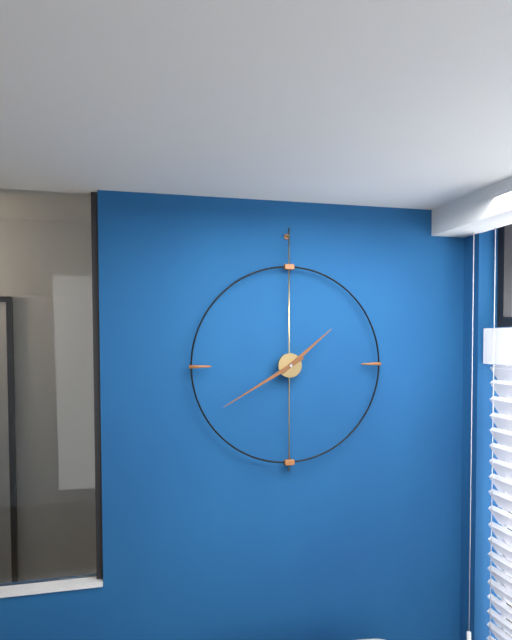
**1:40**
